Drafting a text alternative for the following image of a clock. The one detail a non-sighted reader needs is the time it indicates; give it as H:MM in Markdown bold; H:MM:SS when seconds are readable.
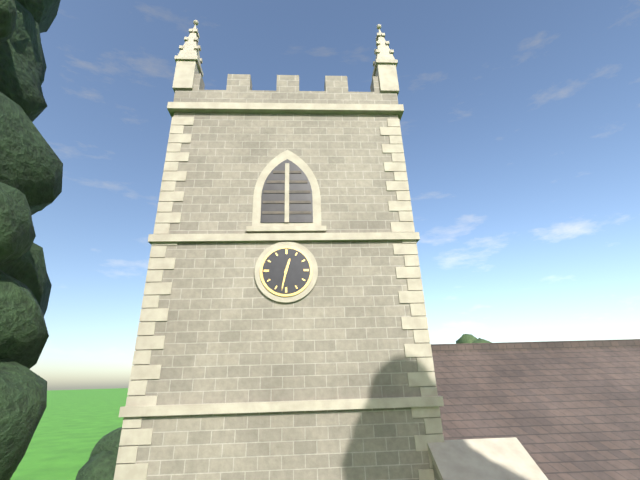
**12:32**
